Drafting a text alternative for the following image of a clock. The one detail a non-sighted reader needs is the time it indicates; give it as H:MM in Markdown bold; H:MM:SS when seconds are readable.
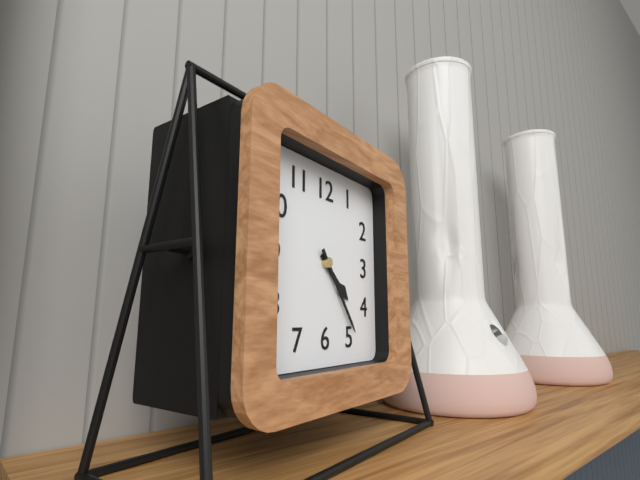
**4:24**
